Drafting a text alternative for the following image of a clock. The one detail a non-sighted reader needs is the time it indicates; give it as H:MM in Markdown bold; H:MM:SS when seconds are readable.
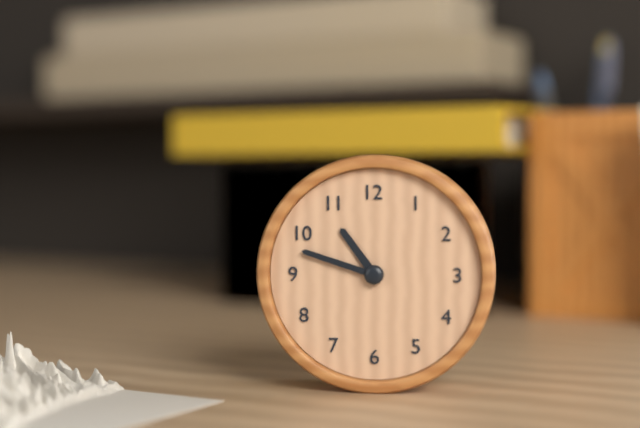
**10:48**
